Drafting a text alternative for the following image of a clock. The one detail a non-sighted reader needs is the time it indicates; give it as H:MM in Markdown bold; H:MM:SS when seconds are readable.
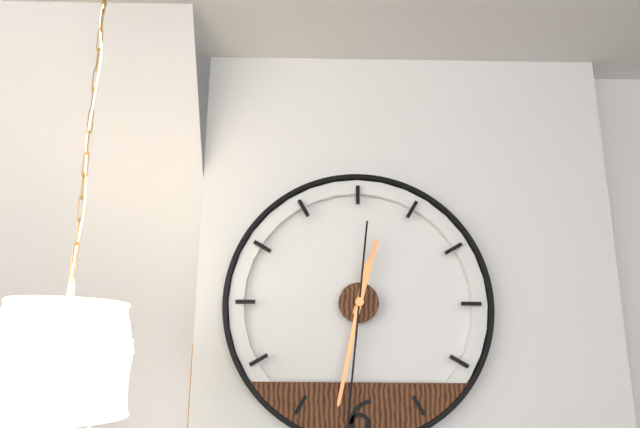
**12:32**
